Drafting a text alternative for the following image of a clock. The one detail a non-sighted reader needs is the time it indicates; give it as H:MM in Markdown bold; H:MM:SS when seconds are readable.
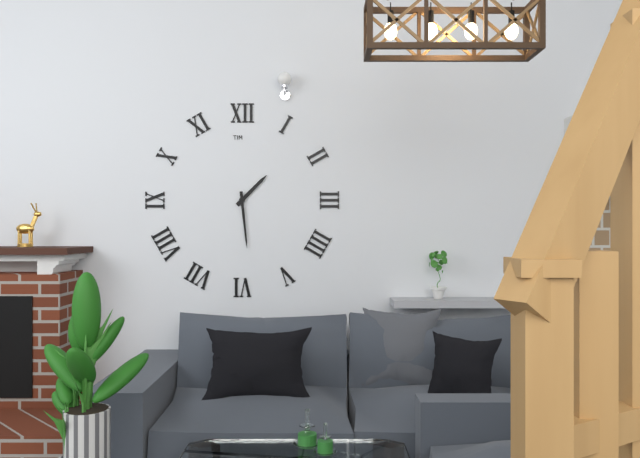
**1:29**
